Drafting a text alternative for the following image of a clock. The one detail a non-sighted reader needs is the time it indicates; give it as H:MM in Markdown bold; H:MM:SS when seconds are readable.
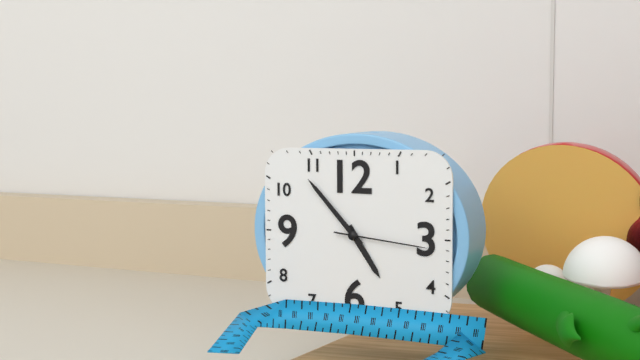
**4:53:16**
